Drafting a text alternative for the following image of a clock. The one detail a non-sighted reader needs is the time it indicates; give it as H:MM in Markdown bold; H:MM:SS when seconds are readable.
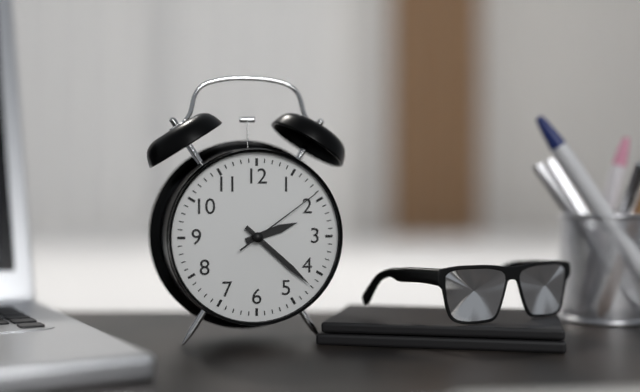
**2:22:09**
